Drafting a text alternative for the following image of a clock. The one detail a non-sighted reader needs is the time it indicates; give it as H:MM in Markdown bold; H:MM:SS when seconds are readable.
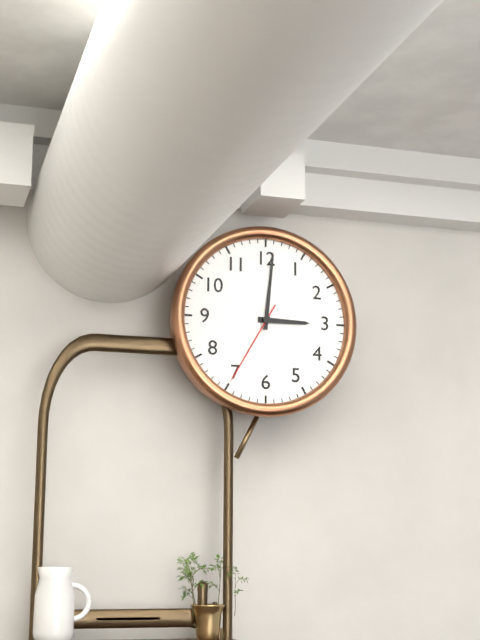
**3:01:35**
